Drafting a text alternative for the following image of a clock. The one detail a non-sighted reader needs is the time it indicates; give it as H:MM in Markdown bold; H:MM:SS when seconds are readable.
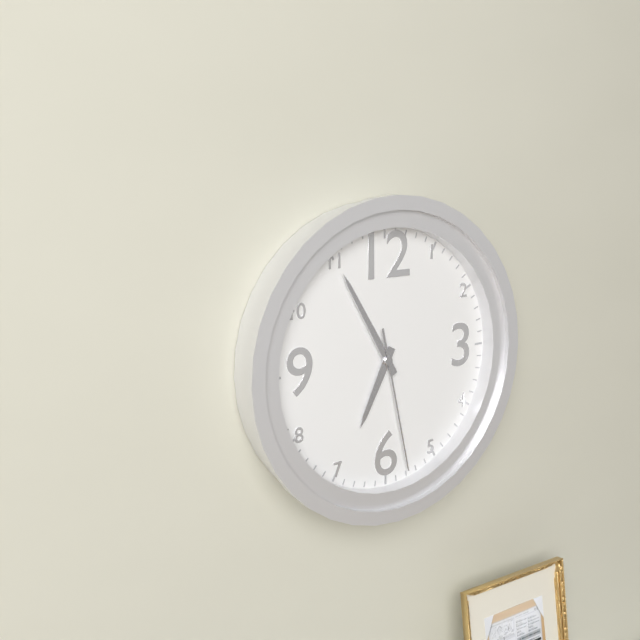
**6:55:28**
